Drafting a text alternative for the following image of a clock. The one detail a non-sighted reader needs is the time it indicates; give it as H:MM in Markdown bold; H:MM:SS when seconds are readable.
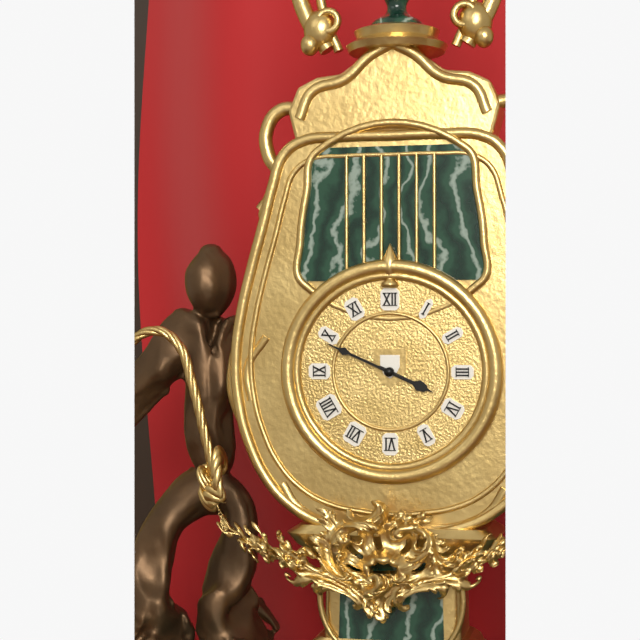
**3:49**
